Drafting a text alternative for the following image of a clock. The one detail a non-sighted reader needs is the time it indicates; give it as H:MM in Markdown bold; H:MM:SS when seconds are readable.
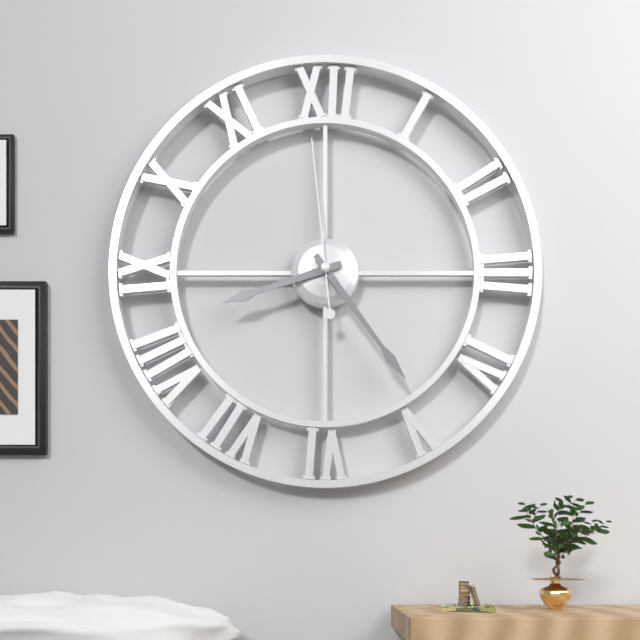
**8:24:59**
